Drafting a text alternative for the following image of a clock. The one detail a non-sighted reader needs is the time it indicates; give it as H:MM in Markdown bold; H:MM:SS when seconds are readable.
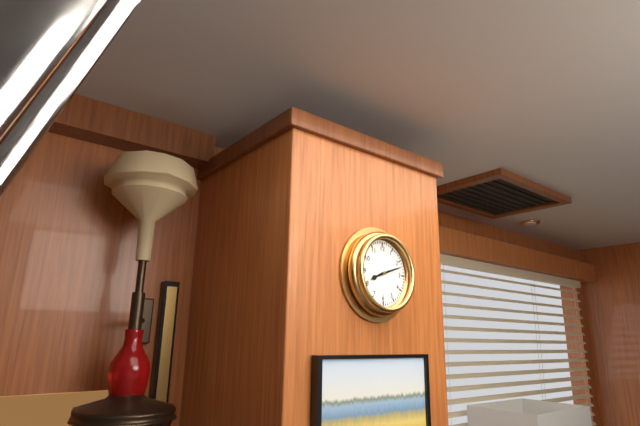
**8:12**
